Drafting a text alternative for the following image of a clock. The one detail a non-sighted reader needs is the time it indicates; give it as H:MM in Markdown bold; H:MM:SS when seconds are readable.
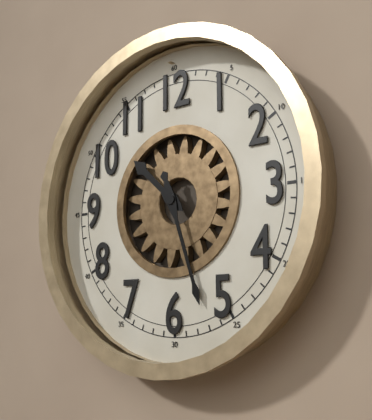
**10:27**
